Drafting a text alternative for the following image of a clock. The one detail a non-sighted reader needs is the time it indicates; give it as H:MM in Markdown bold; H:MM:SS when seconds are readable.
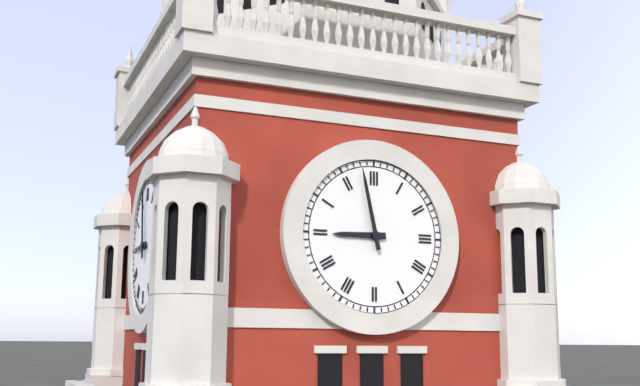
**8:58**
